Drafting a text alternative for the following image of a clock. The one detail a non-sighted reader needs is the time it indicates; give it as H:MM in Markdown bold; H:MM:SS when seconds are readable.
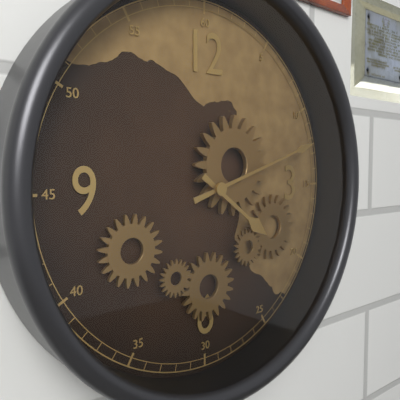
**4:12**
